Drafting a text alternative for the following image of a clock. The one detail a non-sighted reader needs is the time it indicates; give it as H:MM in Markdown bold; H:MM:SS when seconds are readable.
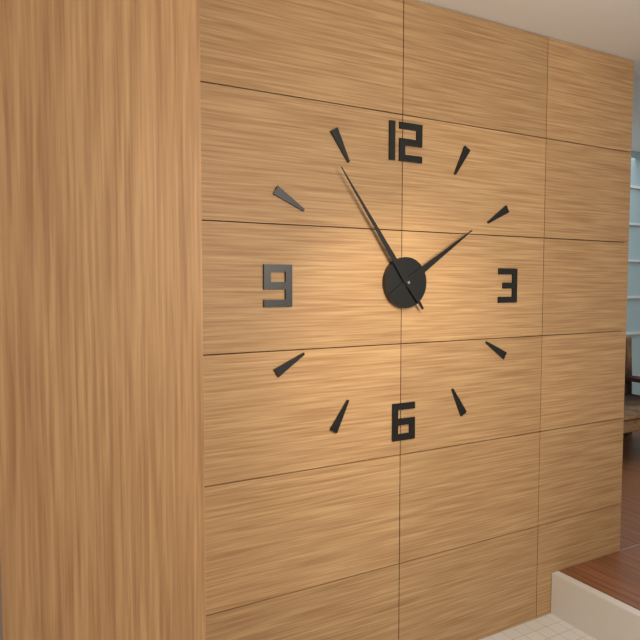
**1:54**
